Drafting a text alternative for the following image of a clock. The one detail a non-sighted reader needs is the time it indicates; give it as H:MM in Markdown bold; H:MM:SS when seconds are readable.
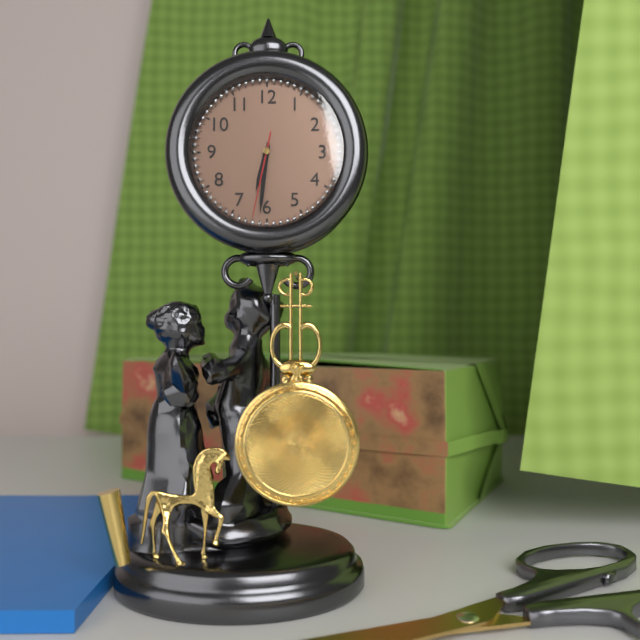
**6:31:32**
